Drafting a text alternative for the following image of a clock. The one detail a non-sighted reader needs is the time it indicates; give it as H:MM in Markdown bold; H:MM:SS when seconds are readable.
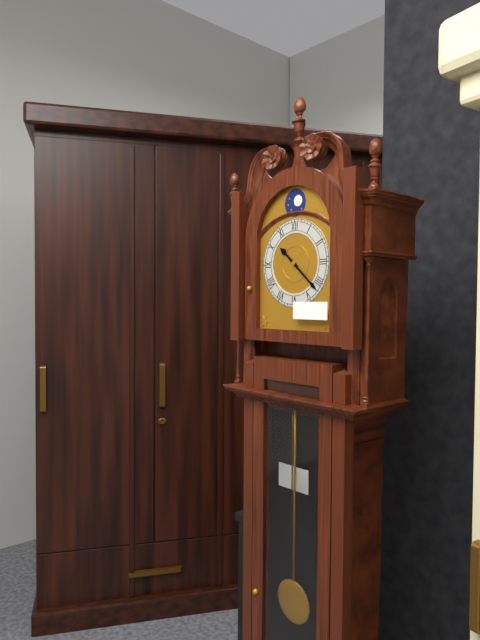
**10:22**
